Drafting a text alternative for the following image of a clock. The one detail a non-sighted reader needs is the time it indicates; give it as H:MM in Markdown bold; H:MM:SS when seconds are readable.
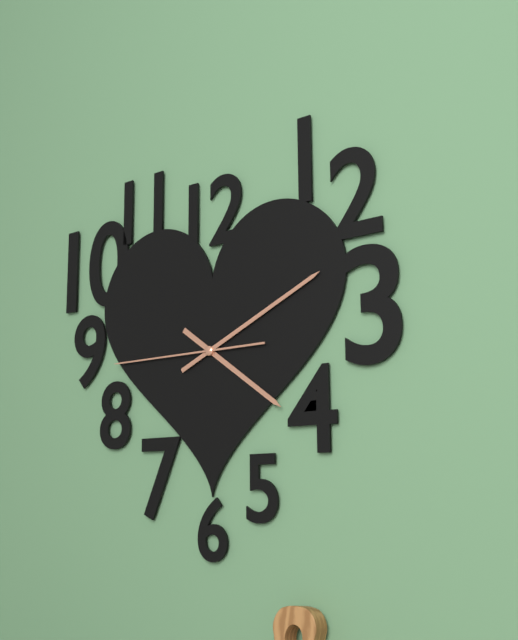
**4:11:45**
